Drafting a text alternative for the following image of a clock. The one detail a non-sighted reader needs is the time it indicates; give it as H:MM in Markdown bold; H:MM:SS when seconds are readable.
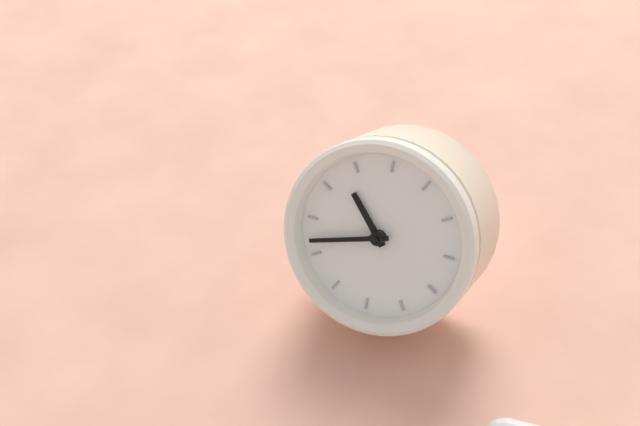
**9:37**
